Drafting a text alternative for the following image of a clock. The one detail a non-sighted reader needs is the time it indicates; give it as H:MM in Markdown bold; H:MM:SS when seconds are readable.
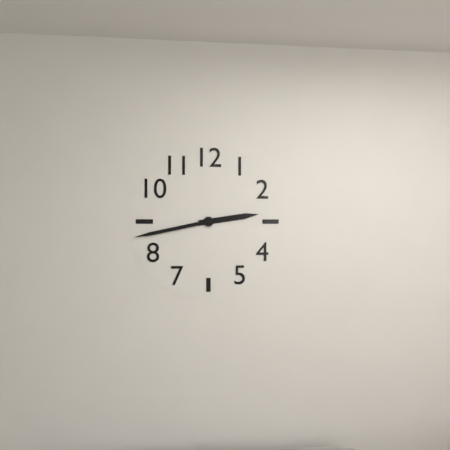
**2:43**
